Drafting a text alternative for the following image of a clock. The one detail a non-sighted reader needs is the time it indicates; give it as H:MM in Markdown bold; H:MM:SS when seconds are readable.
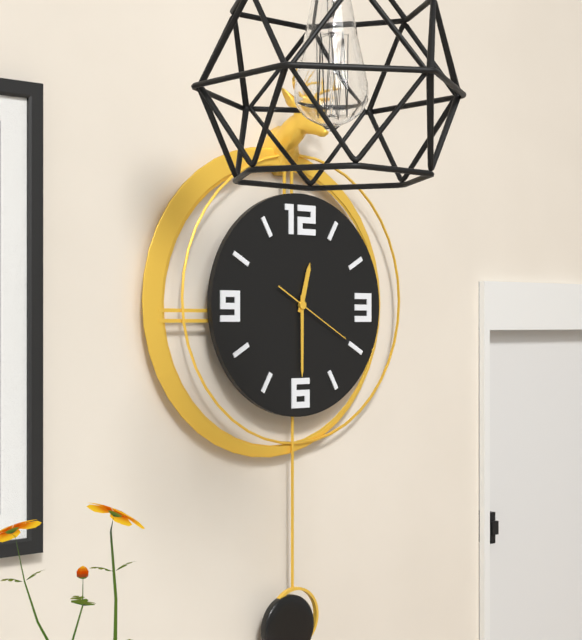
**12:30:20**
